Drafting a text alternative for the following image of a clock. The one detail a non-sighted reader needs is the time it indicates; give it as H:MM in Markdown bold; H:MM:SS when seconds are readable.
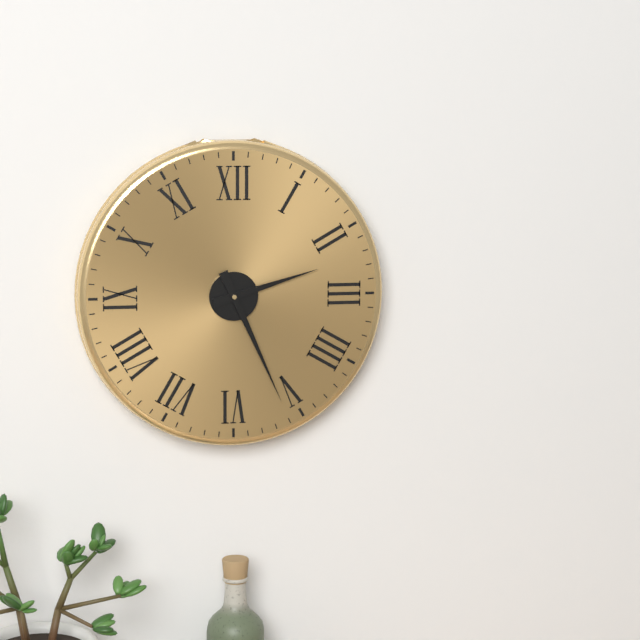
**2:26**
